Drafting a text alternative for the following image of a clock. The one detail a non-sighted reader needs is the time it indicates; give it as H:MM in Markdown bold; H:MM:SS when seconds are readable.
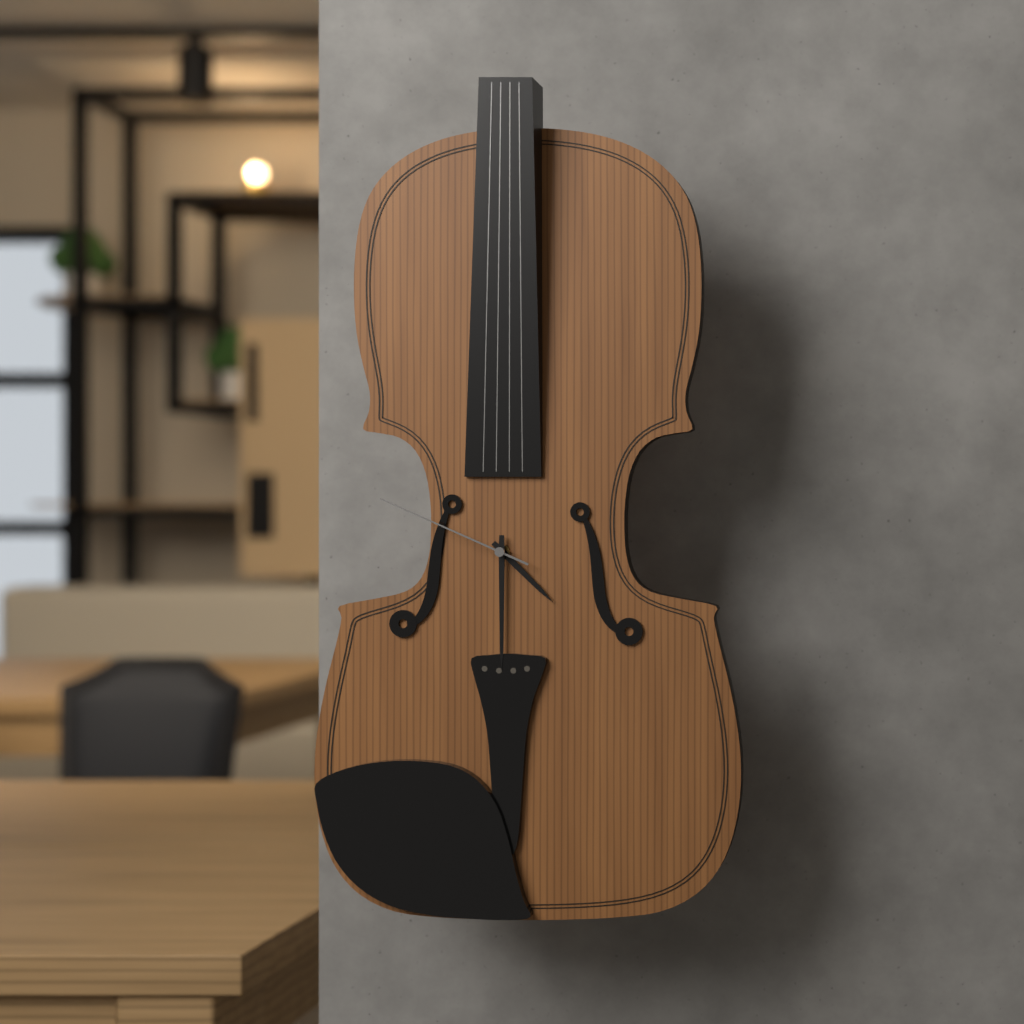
**4:30:49**
